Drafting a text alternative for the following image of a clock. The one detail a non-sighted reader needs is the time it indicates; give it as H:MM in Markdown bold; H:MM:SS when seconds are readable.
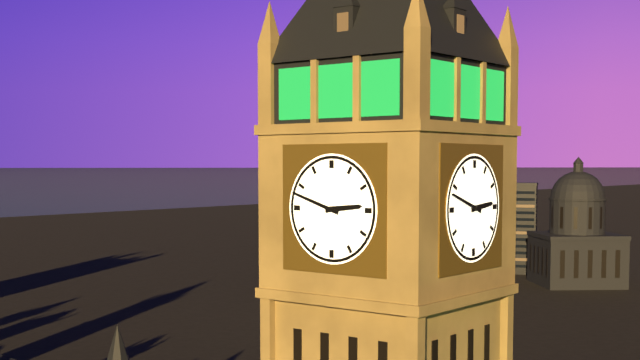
**2:48**
